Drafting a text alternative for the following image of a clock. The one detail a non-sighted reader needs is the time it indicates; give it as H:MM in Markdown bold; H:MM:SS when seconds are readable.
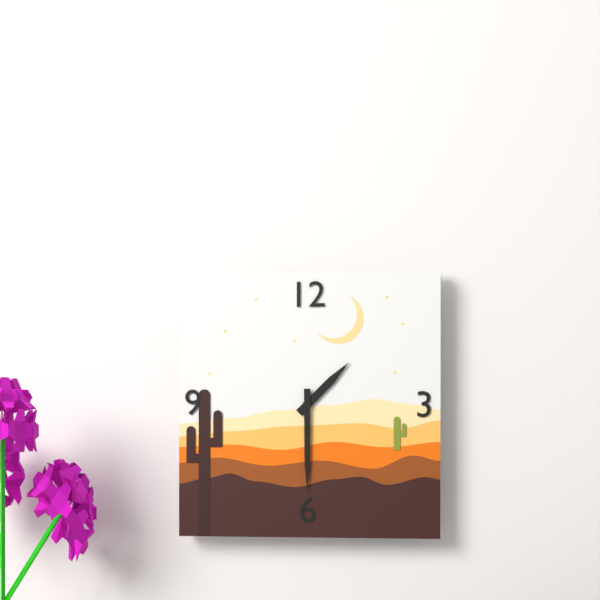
**1:30**
